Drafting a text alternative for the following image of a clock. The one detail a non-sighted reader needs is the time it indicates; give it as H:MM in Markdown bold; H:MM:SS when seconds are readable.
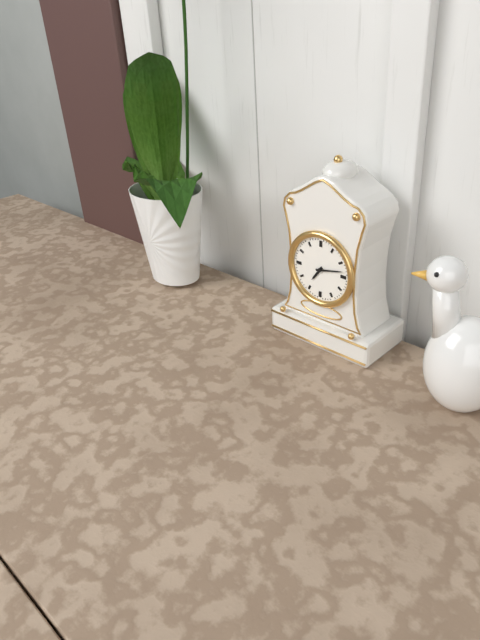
**7:13**
